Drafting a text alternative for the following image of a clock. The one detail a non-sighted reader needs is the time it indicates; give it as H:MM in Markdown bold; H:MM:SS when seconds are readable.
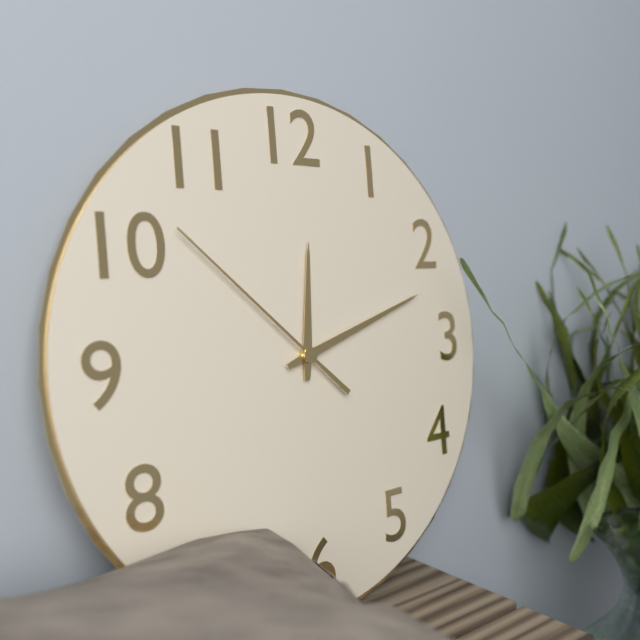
**12:12:52**
